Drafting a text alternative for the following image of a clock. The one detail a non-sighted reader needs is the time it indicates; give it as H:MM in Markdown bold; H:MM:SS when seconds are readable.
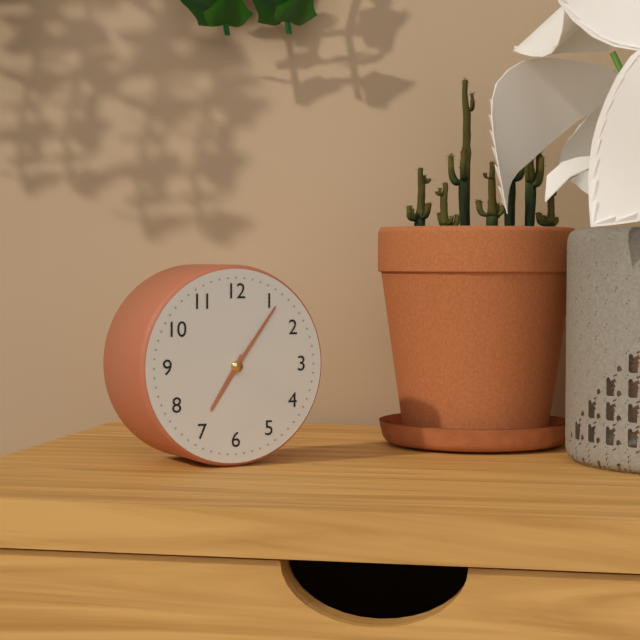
**7:06**
